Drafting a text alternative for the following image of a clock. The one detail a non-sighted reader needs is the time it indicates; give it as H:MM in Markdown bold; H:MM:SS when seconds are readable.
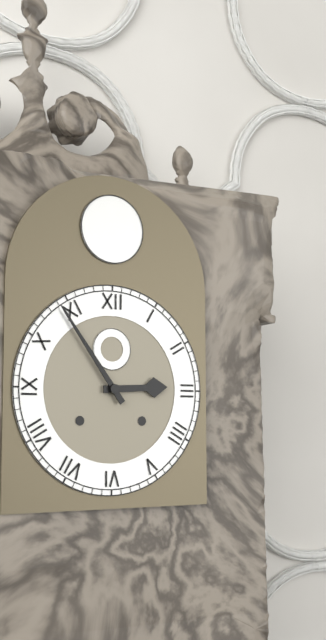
**2:54**
